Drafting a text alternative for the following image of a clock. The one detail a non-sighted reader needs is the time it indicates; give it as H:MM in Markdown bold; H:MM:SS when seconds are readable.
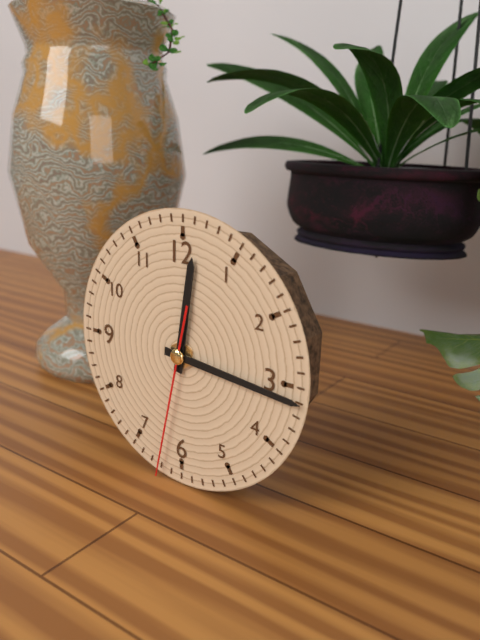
**12:16:32**
